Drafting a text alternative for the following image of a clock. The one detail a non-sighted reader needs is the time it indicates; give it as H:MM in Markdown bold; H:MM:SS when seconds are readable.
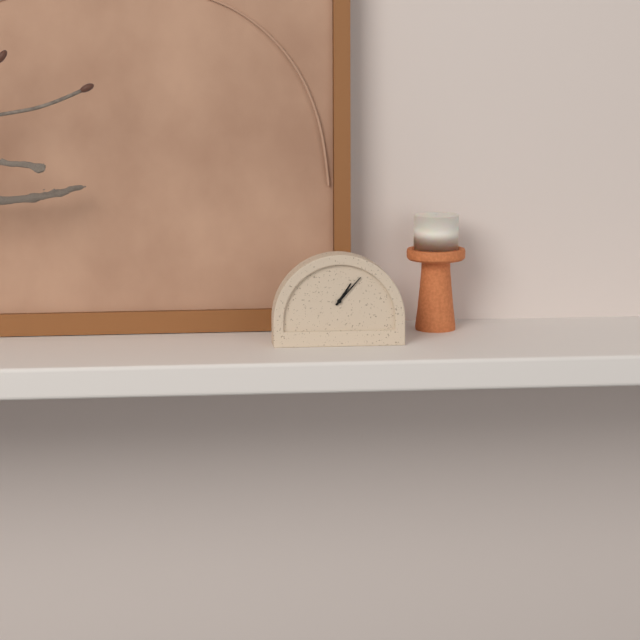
**1:07**
